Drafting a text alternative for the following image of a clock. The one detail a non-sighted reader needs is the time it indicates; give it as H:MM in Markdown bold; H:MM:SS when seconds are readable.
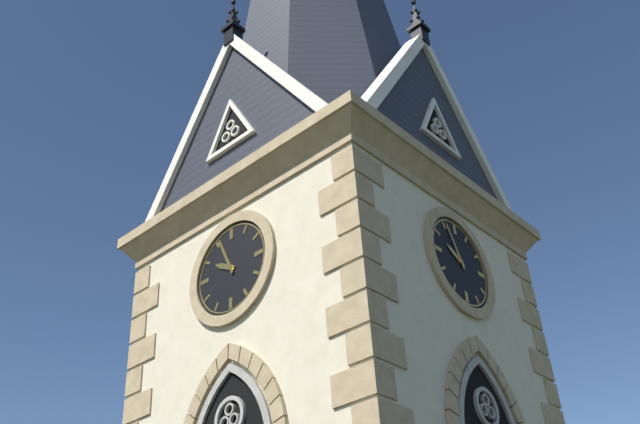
**9:56**
